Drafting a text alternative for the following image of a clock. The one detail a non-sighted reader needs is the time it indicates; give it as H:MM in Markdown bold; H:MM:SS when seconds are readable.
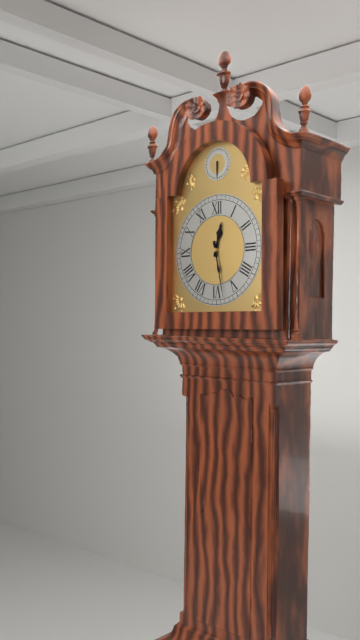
**12:28**
